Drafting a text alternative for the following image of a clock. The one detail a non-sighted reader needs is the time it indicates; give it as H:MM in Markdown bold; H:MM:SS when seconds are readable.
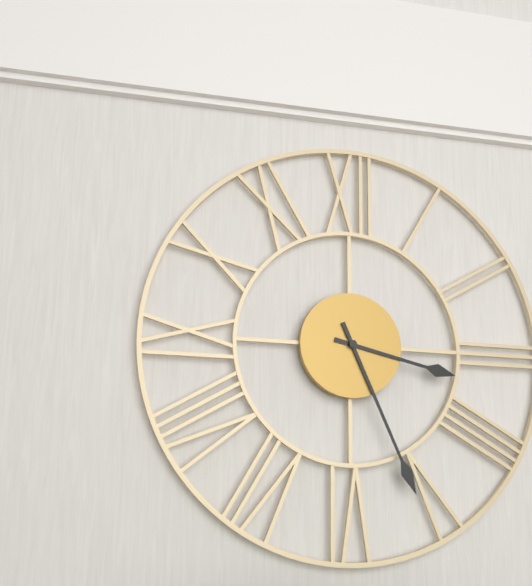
**3:26**
